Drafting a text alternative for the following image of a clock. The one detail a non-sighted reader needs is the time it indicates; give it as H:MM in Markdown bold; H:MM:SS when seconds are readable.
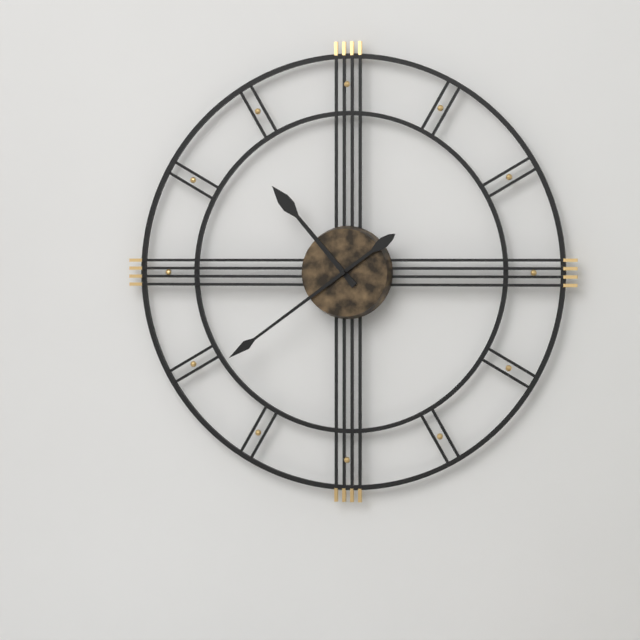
**10:39**
